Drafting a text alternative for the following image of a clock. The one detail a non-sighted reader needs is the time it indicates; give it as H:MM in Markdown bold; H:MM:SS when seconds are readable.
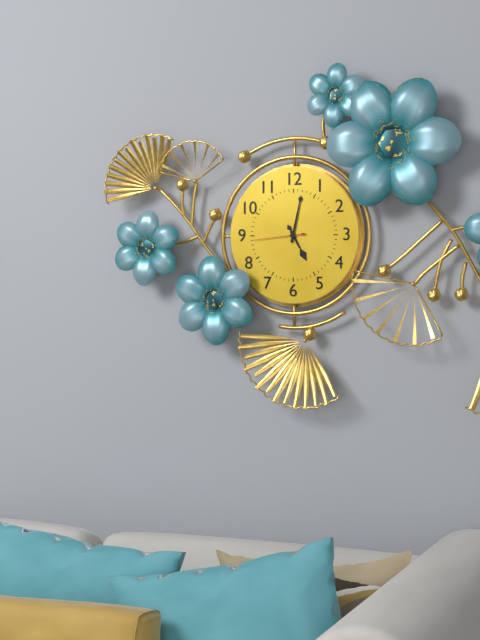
**5:02:44**
